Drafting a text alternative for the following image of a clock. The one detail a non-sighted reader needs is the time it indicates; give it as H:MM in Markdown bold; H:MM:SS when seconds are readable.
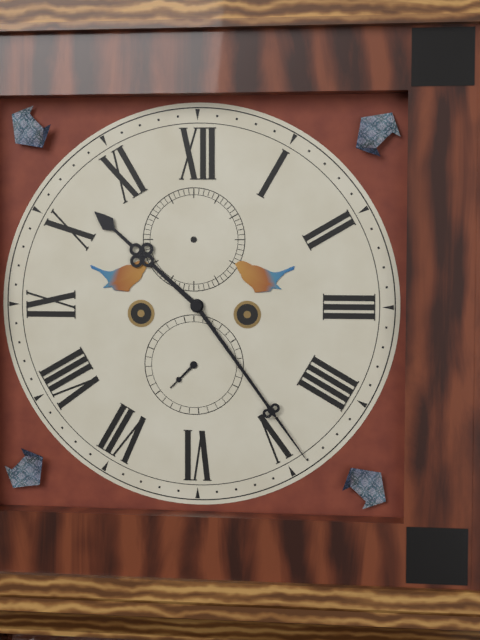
**10:24**
